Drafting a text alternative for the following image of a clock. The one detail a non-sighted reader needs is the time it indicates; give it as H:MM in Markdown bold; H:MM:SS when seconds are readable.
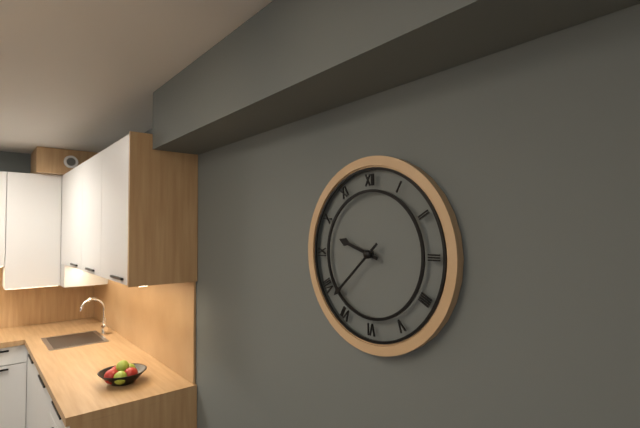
**9:38**
